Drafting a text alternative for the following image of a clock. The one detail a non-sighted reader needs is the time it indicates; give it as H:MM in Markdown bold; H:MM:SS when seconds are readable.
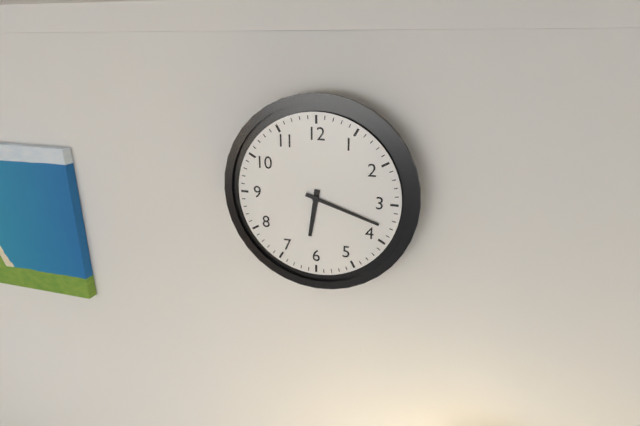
**6:18**
